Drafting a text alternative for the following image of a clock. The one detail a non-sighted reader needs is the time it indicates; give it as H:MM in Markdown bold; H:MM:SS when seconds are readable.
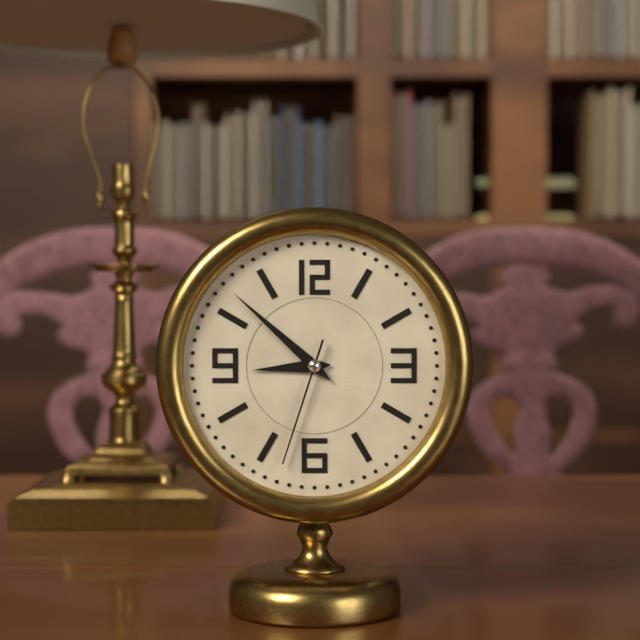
**8:52:33**
